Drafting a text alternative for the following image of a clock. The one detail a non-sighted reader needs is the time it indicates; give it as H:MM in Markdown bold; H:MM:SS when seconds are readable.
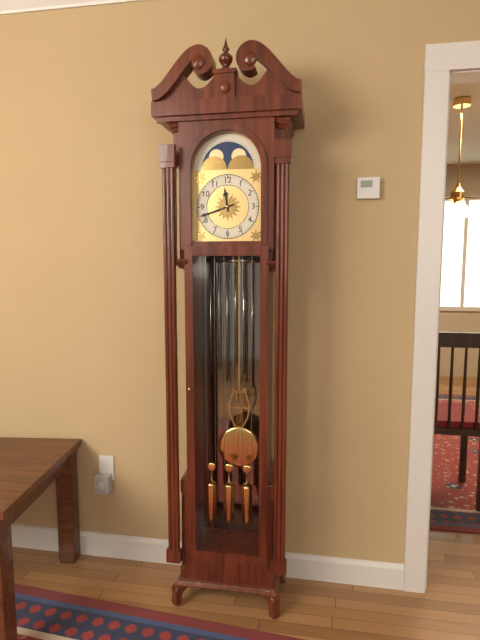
**11:42**
